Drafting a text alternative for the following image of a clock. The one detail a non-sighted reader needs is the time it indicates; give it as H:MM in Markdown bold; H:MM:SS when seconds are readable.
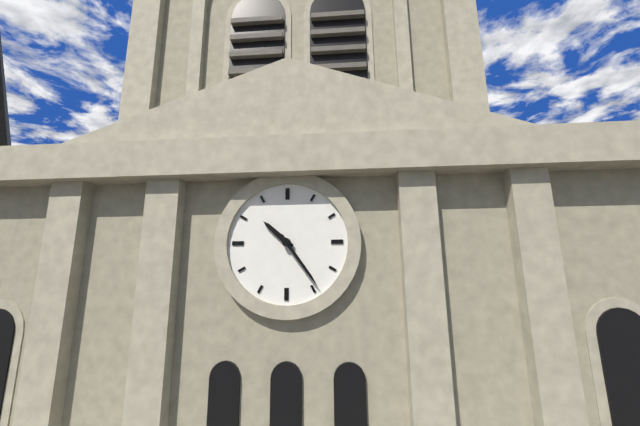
**10:24**
